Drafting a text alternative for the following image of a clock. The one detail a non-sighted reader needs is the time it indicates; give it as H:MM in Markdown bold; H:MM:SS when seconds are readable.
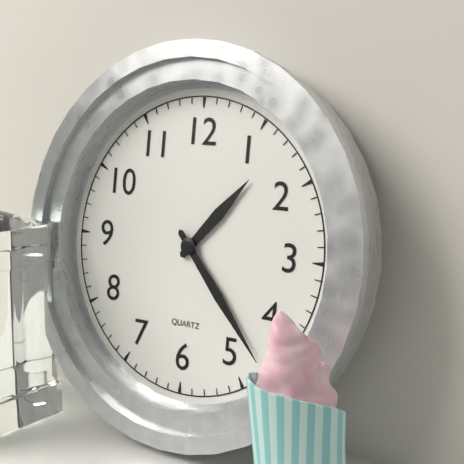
**1:23**
